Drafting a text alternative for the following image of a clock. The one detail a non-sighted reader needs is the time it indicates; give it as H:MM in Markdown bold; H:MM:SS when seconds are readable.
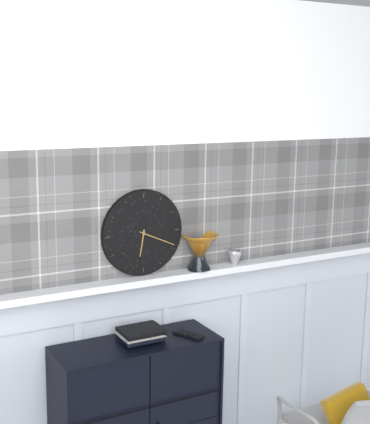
**6:19**
